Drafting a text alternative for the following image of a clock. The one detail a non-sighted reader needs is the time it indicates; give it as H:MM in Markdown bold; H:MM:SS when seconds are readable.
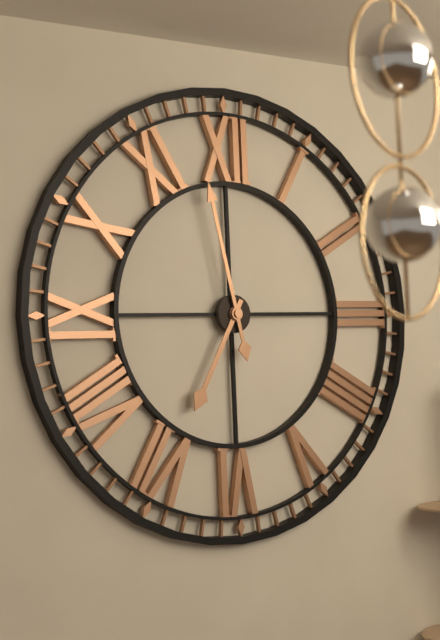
**6:58**
